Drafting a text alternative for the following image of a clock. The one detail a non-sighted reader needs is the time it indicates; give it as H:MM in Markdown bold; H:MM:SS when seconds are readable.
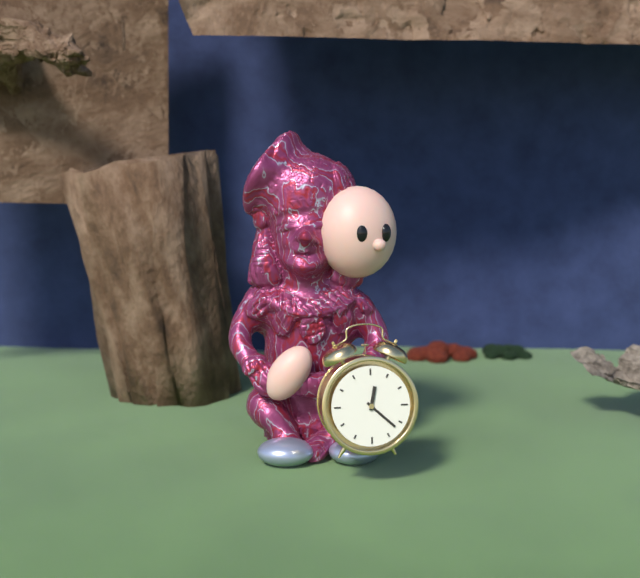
**12:22**
